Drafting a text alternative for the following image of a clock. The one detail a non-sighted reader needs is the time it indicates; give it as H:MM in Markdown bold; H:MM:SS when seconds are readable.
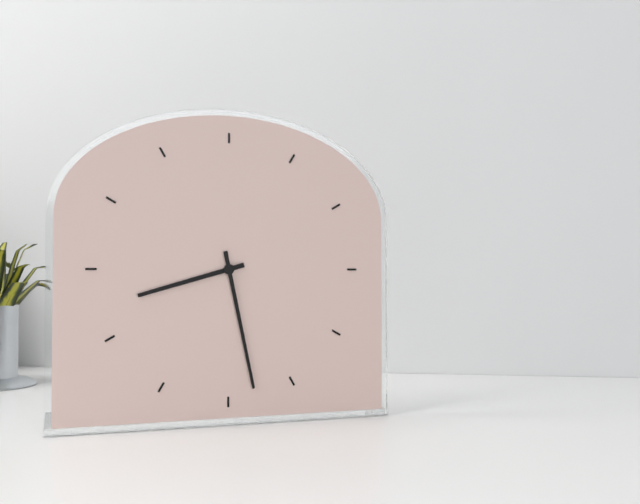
**8:28**
